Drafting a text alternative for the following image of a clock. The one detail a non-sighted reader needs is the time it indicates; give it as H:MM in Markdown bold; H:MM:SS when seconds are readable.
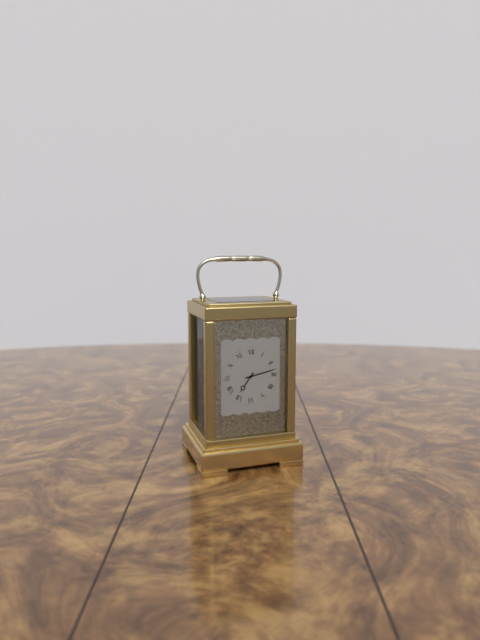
**7:13**
